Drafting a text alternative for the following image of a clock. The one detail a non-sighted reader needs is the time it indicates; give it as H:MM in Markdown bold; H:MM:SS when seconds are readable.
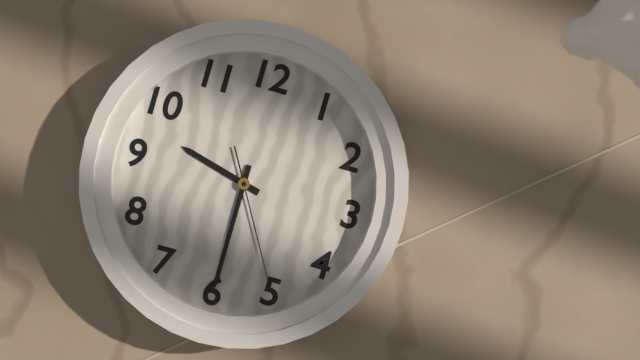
**9:30:25**
